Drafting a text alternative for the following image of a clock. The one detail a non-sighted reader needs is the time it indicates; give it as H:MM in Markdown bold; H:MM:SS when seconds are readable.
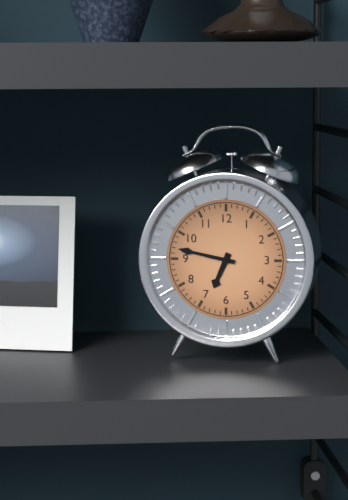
**6:47**
